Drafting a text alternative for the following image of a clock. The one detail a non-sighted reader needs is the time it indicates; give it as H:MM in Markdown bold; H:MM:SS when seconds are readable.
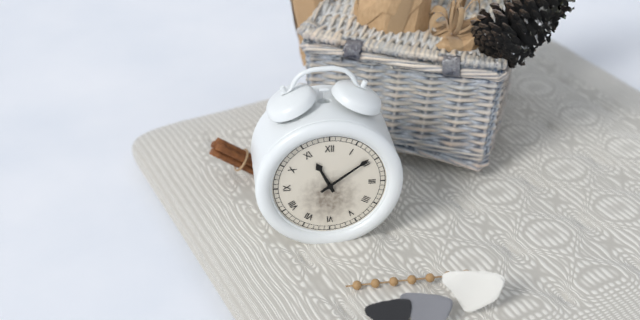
**11:09**
